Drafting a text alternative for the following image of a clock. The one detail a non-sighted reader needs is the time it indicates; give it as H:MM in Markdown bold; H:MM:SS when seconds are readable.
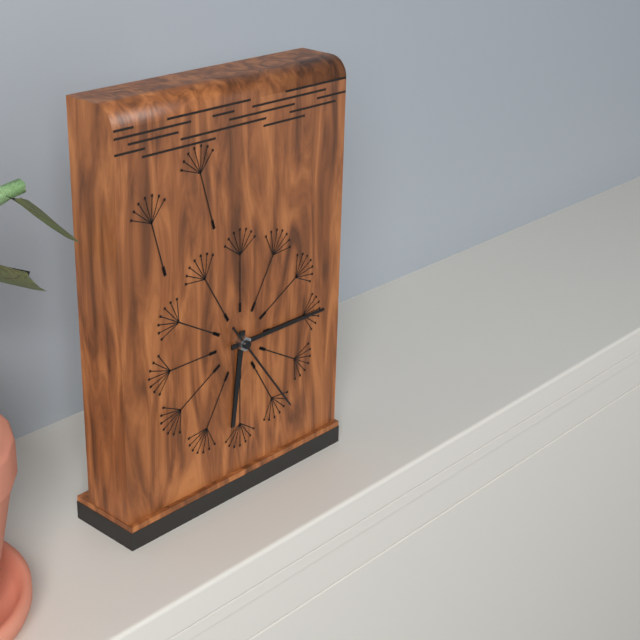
**6:15:24**
